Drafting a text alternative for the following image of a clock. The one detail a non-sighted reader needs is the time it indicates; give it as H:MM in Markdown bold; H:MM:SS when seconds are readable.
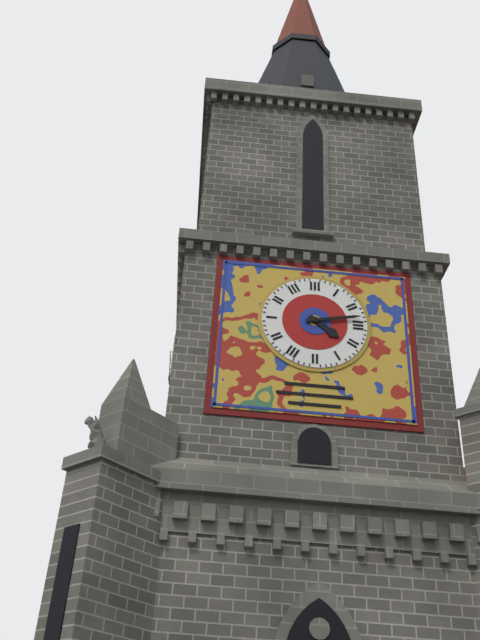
**4:13**
